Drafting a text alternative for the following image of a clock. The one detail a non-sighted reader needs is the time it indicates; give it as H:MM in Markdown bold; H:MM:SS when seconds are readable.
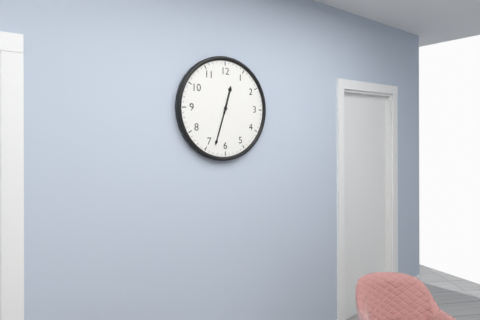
**12:33**
